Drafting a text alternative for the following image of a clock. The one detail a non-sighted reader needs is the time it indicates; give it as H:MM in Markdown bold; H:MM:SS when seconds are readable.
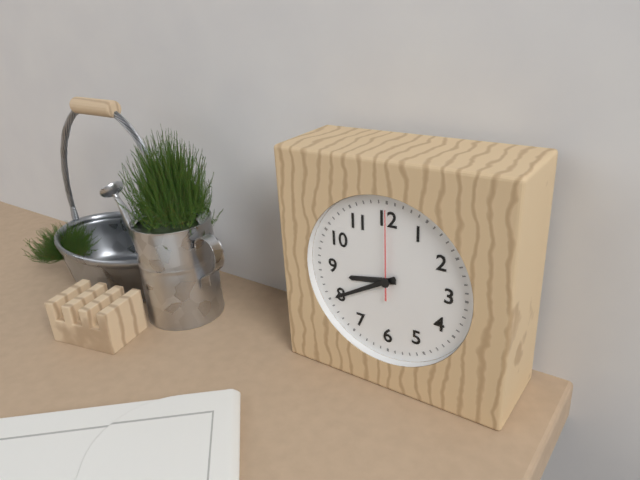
**8:40:00**
